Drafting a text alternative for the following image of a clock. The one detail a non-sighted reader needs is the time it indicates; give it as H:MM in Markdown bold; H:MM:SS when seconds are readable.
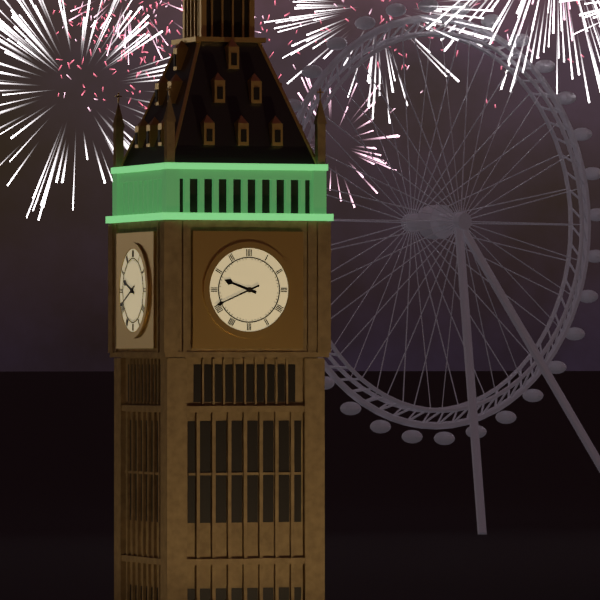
**9:41**
